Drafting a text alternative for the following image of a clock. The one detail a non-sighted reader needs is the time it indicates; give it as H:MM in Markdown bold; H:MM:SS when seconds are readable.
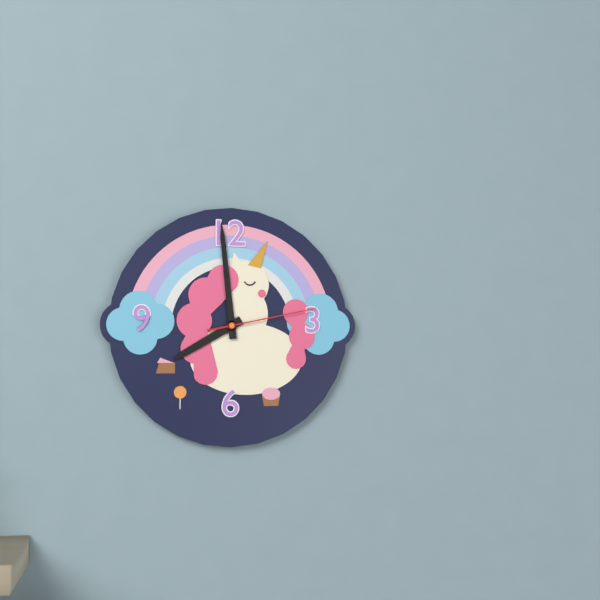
**7:59:13**
